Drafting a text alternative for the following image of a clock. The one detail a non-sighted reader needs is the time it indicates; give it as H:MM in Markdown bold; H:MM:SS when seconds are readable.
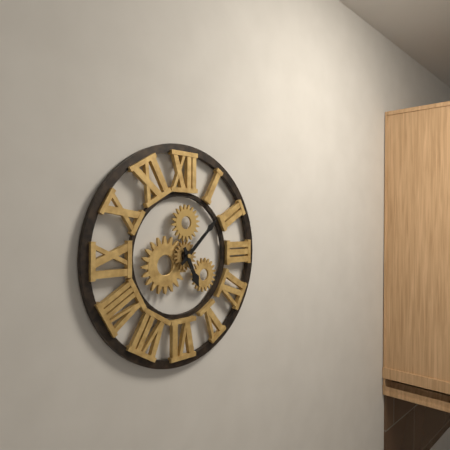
**5:08**
